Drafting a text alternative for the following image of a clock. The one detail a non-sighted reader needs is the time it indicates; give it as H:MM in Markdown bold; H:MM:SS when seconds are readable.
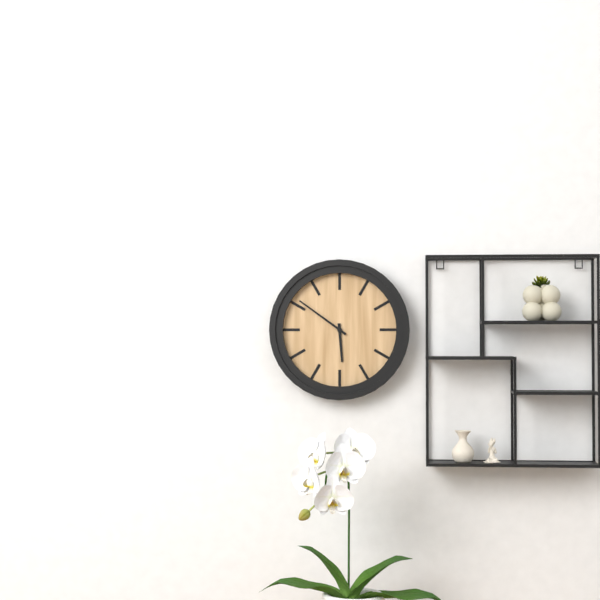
**5:51**
